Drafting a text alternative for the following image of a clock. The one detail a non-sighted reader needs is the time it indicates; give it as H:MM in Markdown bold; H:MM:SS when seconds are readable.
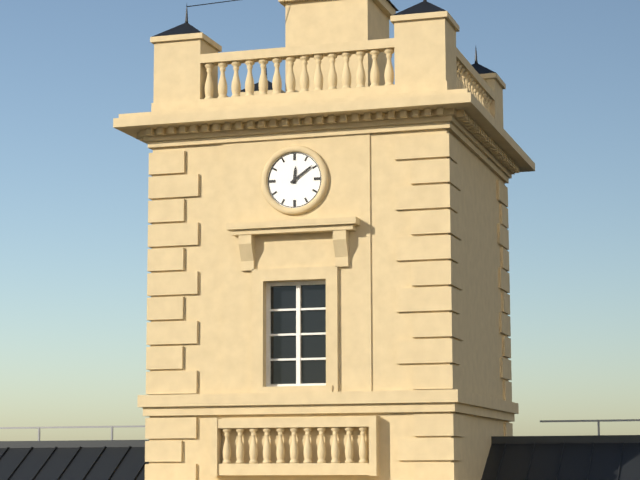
**12:09**
